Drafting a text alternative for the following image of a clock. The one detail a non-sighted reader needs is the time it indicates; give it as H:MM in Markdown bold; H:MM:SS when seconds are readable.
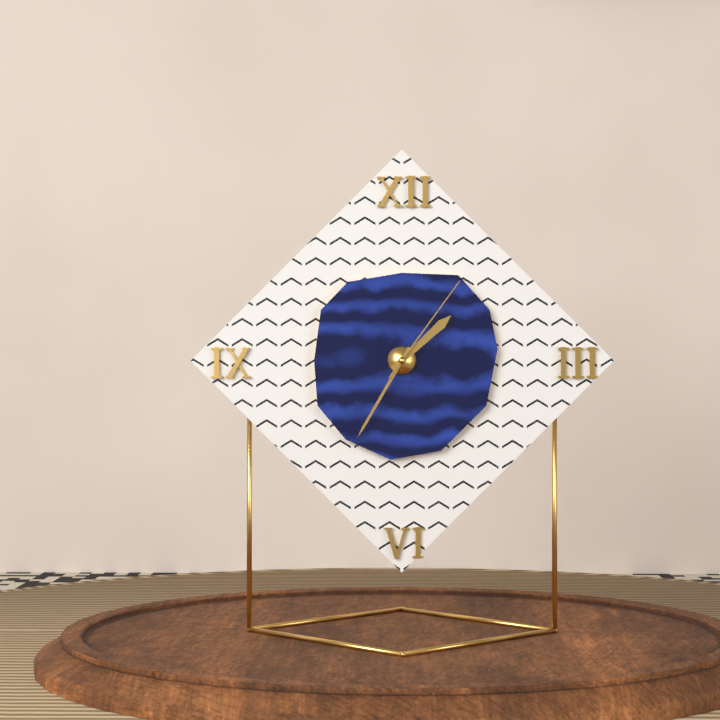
**1:35:06**
